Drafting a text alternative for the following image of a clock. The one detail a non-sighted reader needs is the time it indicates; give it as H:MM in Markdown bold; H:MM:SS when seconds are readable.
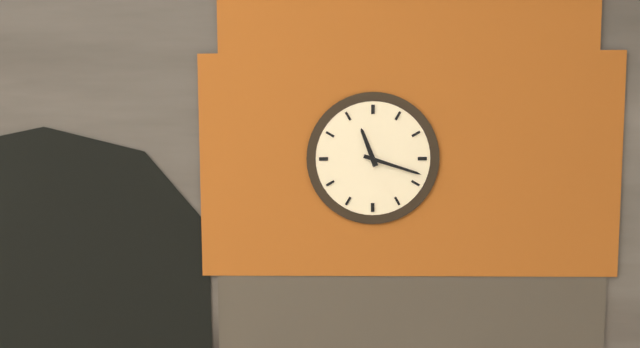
**11:18**
